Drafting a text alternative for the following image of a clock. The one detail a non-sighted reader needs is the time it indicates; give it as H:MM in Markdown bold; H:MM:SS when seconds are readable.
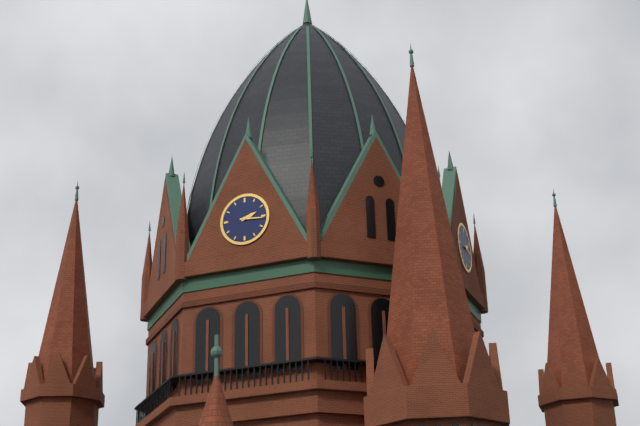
**2:16**
